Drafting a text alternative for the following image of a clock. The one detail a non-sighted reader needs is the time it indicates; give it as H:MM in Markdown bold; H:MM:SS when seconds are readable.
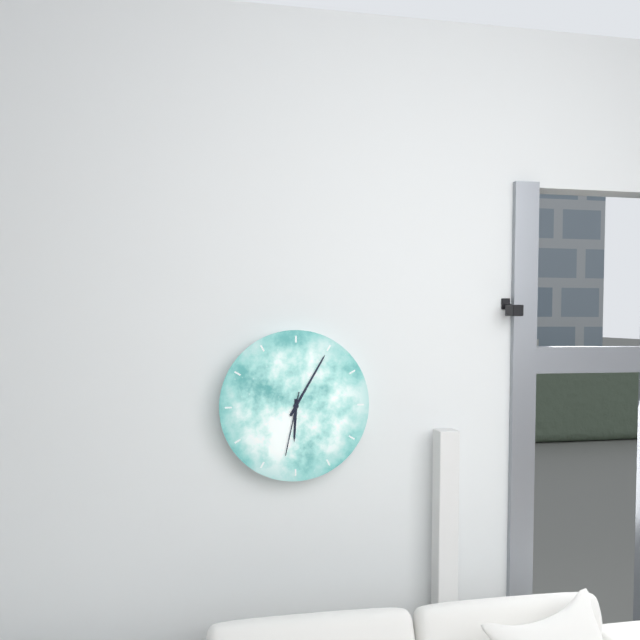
**6:05:32**
